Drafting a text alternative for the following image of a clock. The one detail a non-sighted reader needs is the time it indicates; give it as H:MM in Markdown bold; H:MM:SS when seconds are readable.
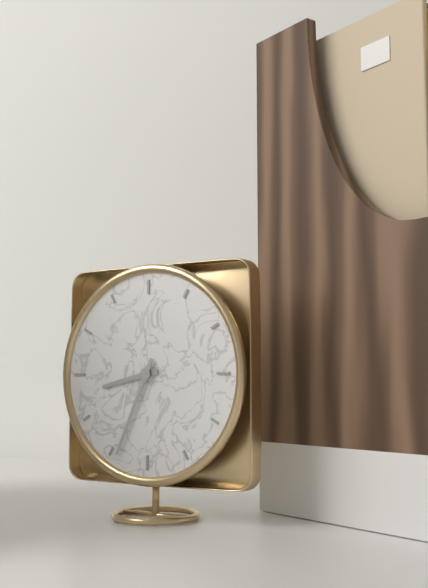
**8:34**
